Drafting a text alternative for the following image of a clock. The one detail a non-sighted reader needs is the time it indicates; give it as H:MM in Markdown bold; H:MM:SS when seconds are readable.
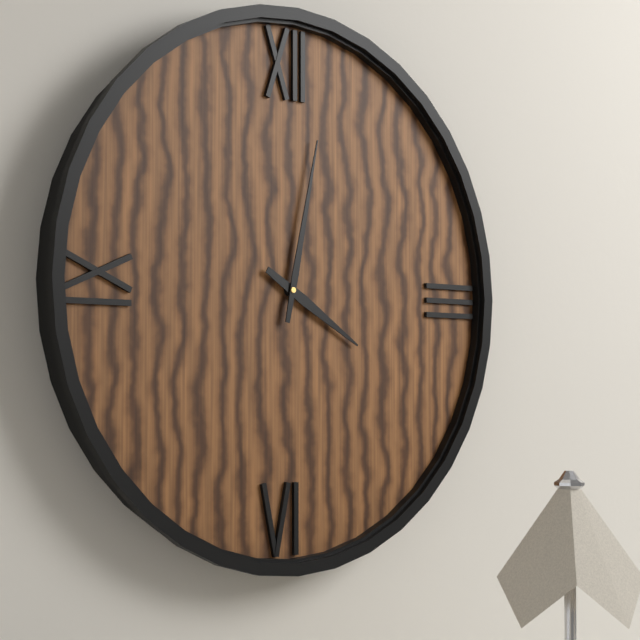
**4:02**
